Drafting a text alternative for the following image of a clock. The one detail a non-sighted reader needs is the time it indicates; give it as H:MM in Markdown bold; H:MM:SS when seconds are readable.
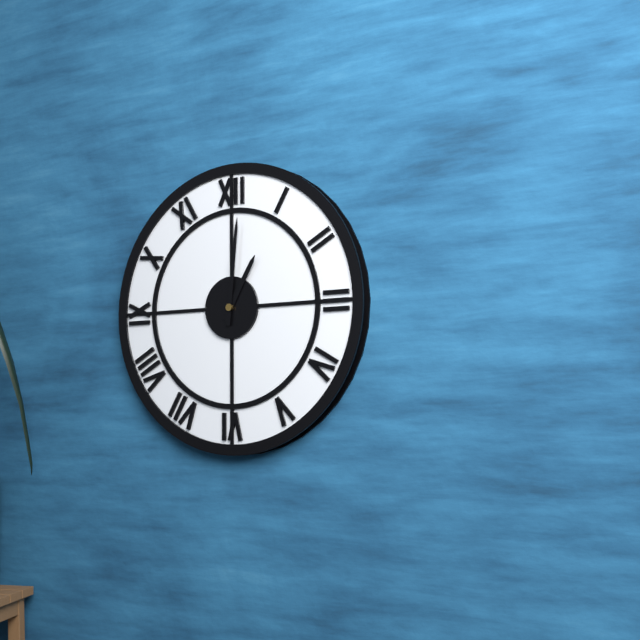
**1:01**
